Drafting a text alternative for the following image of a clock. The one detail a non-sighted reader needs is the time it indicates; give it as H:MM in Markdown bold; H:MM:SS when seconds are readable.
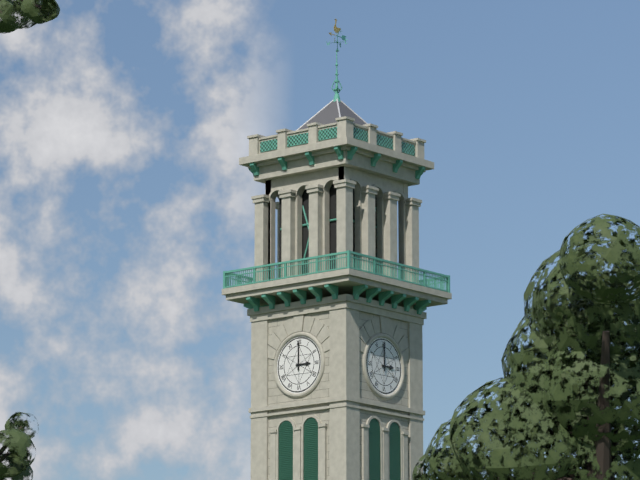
**3:00**
